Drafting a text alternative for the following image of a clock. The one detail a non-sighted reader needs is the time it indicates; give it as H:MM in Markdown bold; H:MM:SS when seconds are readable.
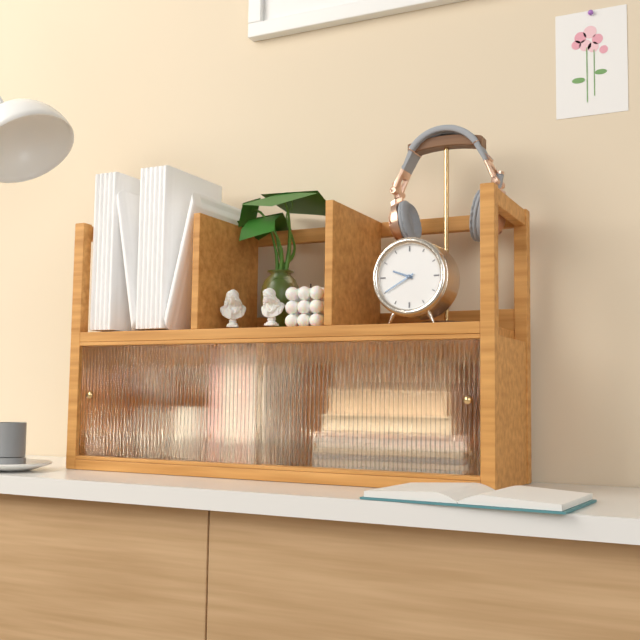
**9:40**
